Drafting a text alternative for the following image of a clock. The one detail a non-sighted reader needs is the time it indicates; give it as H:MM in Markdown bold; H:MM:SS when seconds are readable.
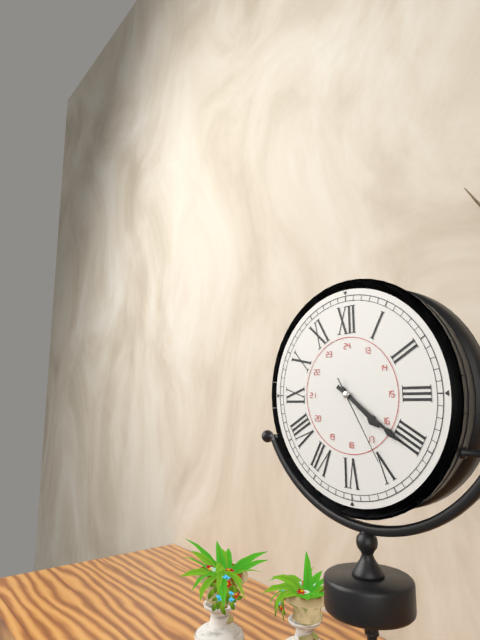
**4:21:25**
